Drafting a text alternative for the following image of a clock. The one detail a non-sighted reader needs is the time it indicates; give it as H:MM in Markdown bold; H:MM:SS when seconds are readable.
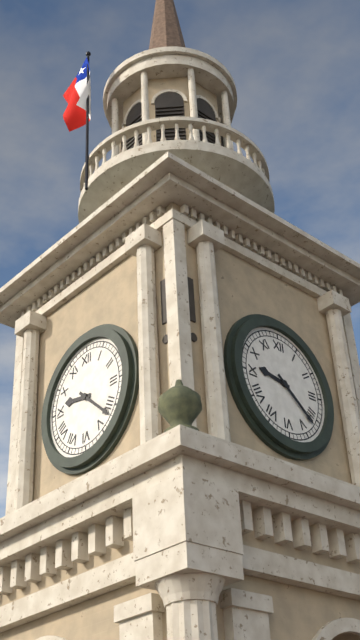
**9:22**
